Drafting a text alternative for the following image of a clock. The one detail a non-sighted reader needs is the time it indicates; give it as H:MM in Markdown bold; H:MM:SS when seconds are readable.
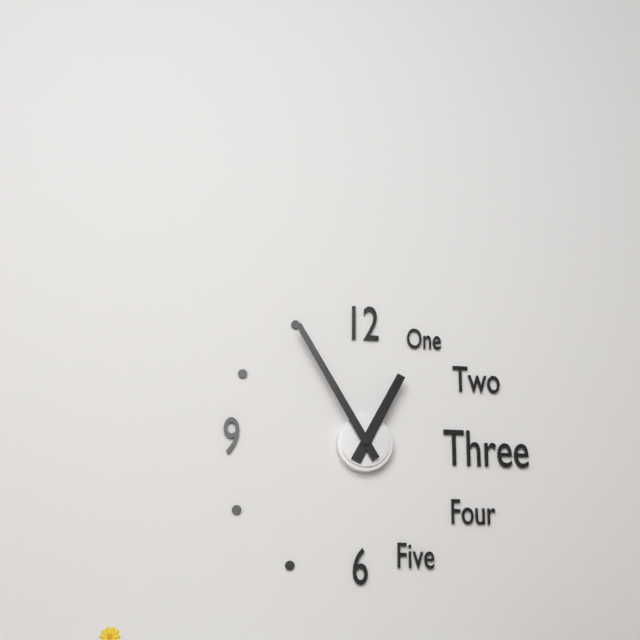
**12:55**
